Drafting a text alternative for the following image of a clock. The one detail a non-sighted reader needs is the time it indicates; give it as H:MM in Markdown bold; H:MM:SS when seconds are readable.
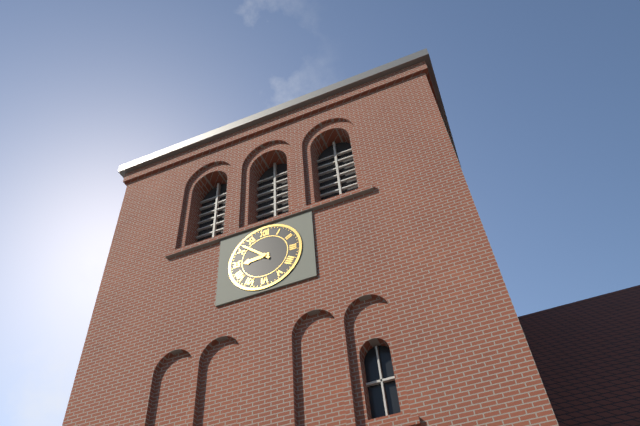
**8:52**
